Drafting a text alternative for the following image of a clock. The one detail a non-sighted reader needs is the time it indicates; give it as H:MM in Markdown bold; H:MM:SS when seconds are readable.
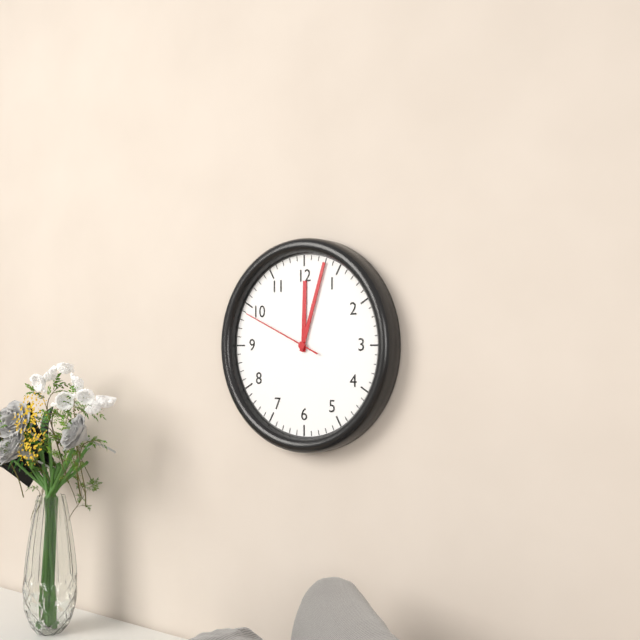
**12:03:49**
